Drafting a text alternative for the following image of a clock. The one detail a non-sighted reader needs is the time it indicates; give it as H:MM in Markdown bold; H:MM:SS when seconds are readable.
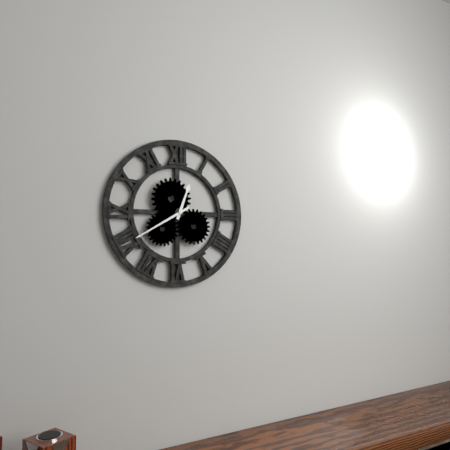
**12:40**
